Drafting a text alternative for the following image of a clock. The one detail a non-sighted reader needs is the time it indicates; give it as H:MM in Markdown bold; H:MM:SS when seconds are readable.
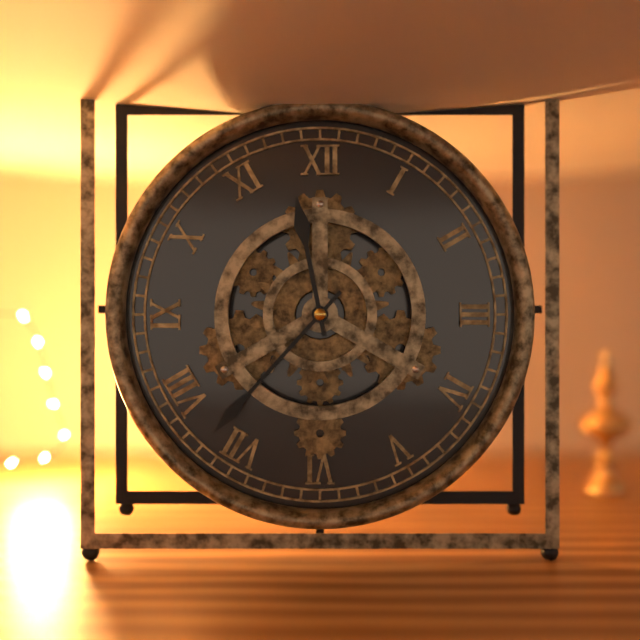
**11:37**
